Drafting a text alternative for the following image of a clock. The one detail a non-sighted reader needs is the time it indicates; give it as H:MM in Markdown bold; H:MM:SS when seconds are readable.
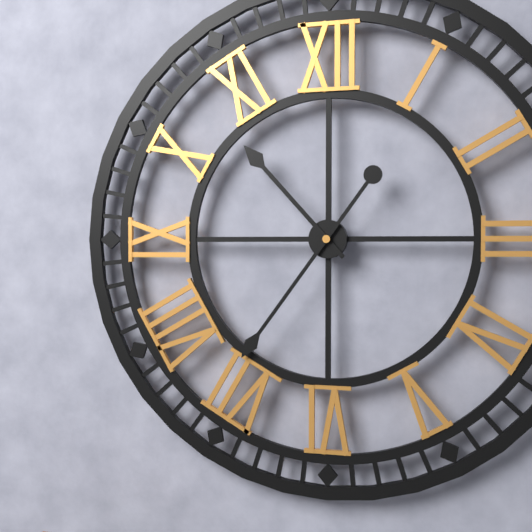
**10:36**
